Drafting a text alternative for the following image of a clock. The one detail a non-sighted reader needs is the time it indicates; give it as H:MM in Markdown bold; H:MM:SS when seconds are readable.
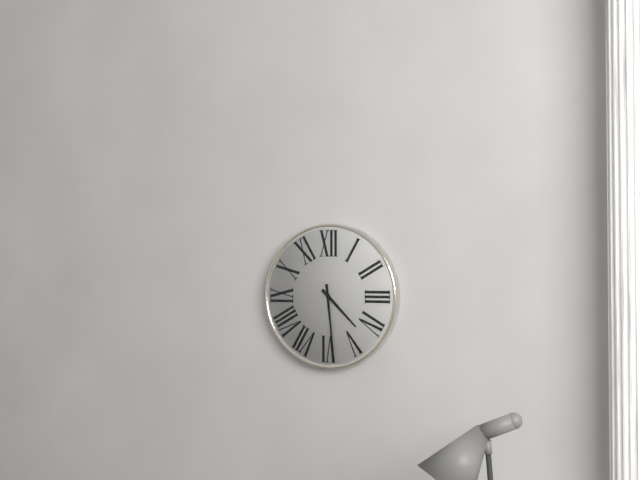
**4:29**
